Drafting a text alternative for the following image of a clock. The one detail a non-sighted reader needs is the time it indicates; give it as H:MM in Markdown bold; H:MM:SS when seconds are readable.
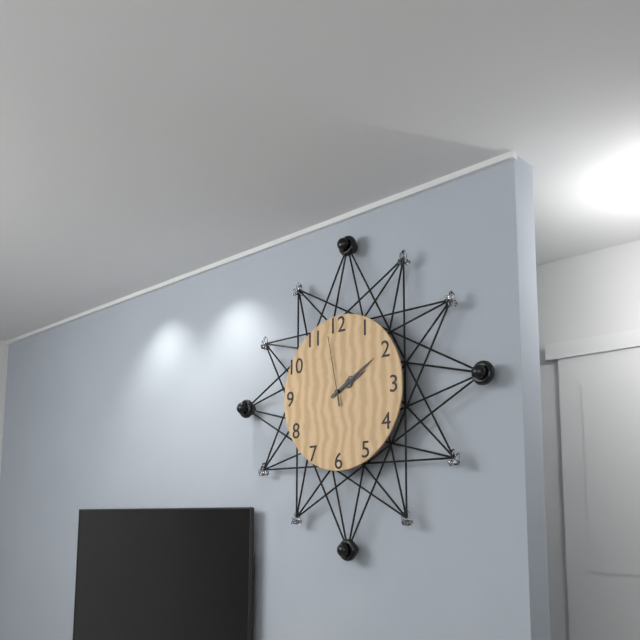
**2:10:58**
